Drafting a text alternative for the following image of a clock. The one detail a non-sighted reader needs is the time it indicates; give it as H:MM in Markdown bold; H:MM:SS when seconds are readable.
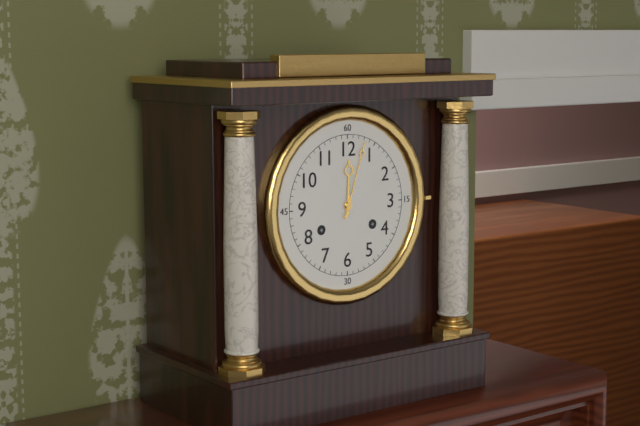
**12:03**
